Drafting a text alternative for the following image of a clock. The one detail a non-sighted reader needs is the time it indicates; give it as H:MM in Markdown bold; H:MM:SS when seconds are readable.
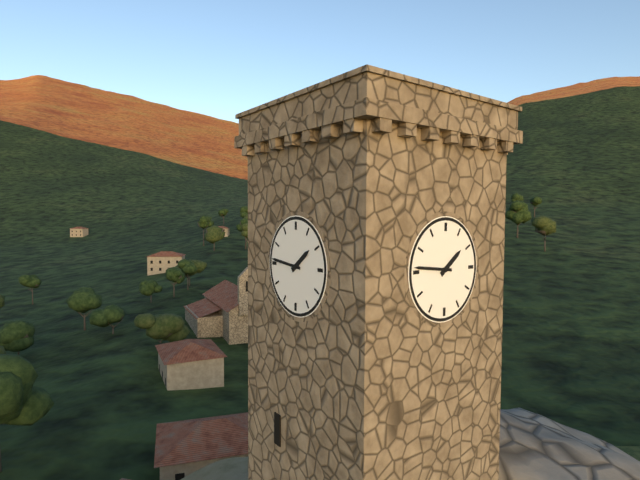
**1:46**
